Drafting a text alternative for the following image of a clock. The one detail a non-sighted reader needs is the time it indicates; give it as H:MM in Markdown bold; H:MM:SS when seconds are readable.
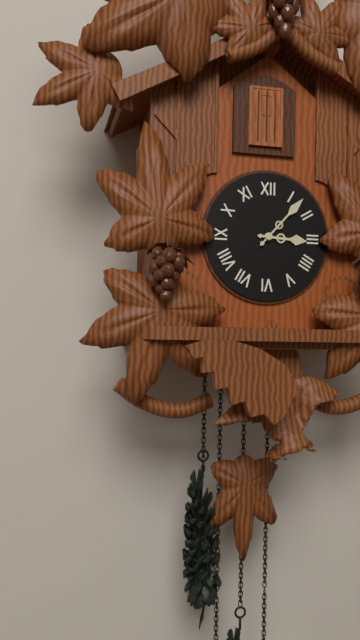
**3:07**
